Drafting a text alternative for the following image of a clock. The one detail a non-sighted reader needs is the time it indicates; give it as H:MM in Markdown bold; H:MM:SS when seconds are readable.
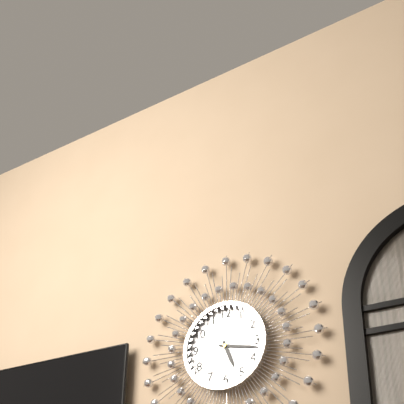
**5:17**
